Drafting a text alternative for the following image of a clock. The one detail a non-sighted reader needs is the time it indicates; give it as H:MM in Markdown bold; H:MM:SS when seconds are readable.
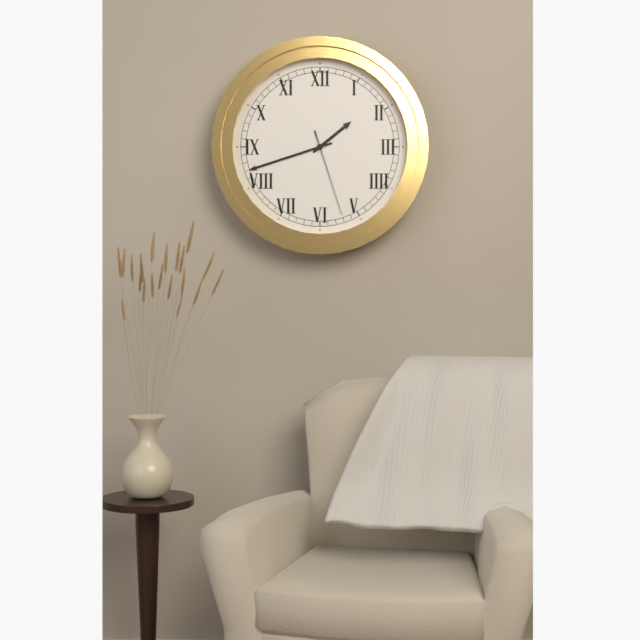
**1:42:27**
